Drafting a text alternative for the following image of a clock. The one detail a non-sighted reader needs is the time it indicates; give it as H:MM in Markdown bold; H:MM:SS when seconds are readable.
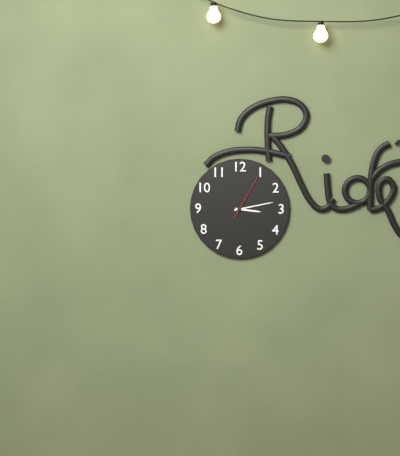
**3:13**
